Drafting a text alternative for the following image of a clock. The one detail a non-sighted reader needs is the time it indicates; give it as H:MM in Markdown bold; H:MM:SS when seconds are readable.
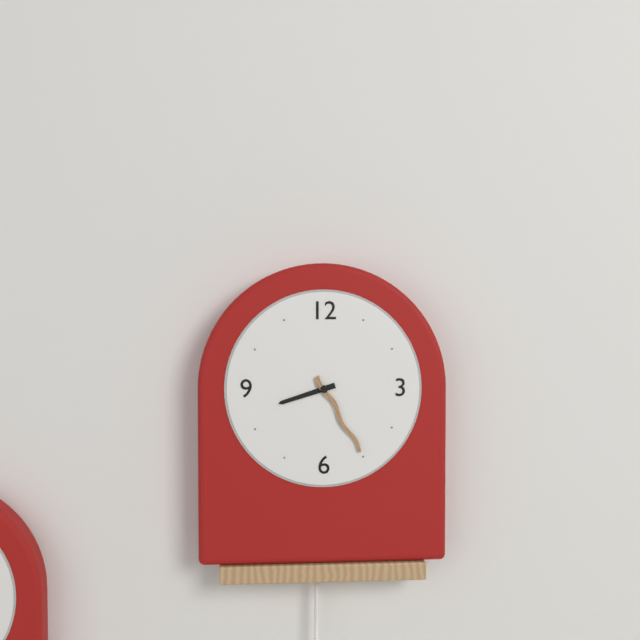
**8:25**
